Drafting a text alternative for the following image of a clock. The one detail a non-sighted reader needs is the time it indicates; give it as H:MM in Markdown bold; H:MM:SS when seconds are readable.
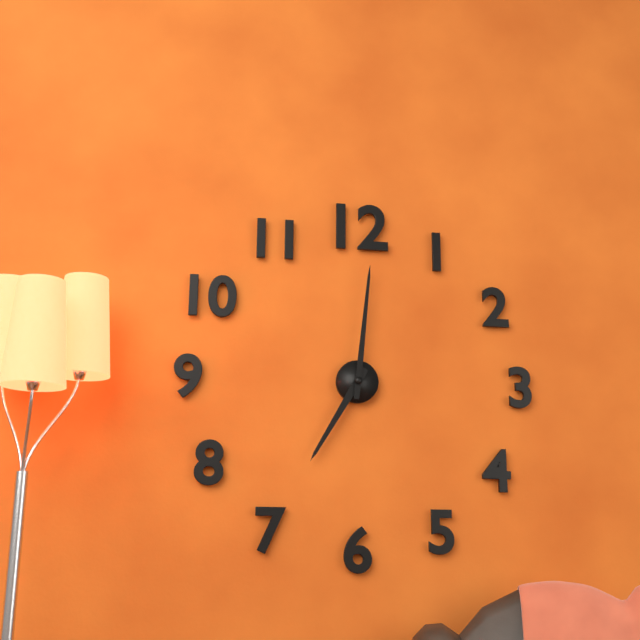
**7:01**
